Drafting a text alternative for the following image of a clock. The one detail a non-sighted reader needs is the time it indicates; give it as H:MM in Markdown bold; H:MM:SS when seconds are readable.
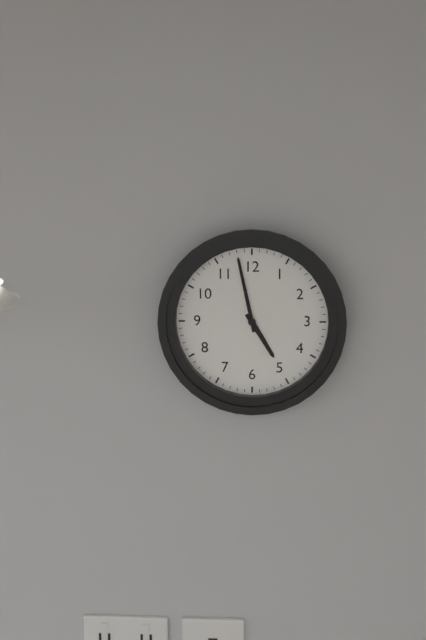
**4:58**
